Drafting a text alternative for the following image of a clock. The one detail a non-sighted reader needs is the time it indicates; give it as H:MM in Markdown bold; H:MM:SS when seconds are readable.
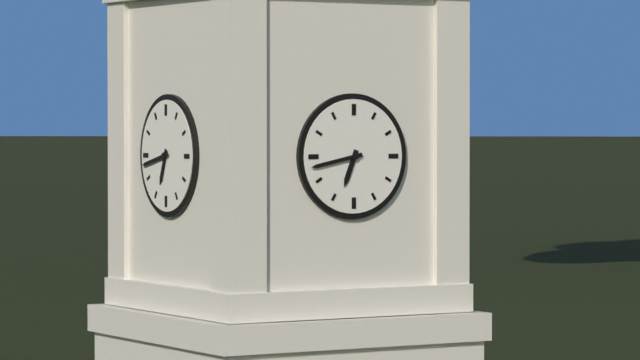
**6:43**
